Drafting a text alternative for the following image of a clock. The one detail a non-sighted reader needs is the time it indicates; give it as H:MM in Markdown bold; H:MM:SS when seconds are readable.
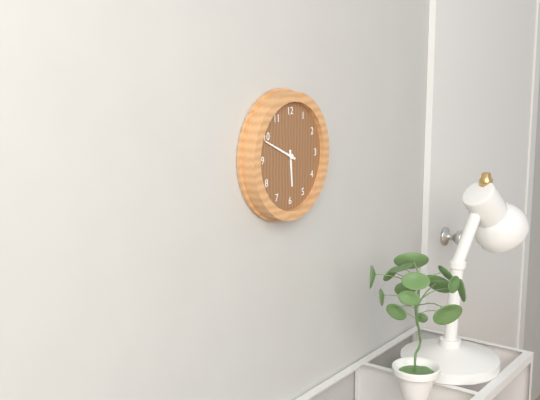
**5:49**
